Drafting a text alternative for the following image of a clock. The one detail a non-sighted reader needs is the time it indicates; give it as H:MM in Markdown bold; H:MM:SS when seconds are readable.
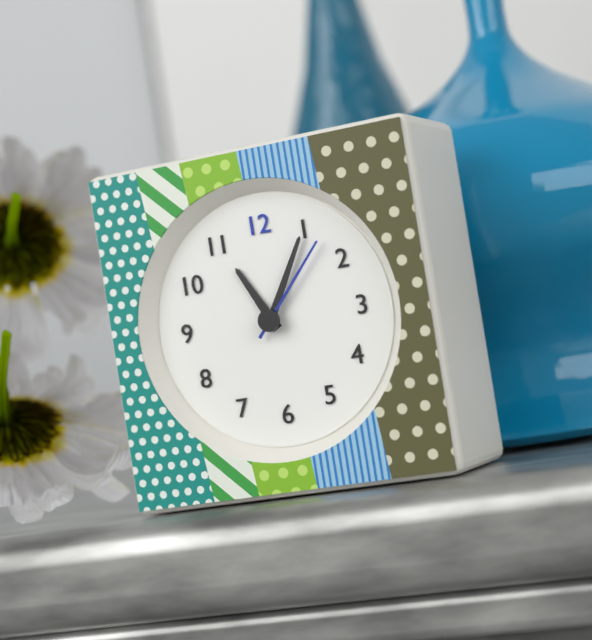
**11:05:07**
